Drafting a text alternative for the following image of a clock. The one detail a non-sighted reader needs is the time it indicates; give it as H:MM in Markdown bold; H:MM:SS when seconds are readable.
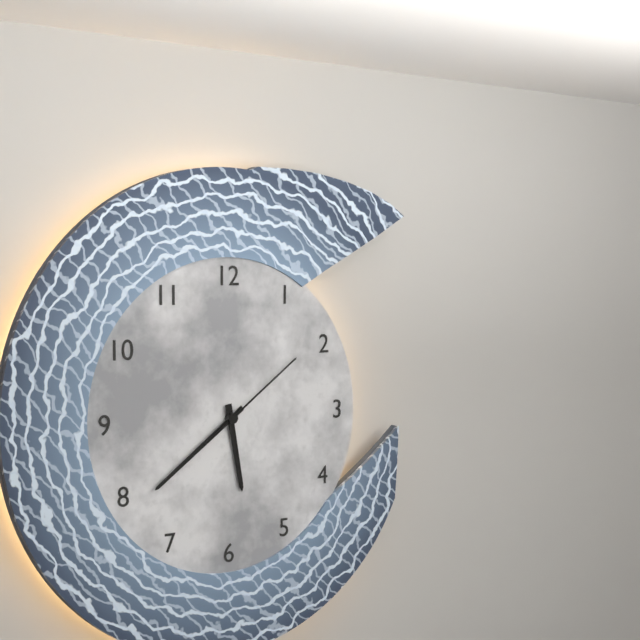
**5:39:09**
